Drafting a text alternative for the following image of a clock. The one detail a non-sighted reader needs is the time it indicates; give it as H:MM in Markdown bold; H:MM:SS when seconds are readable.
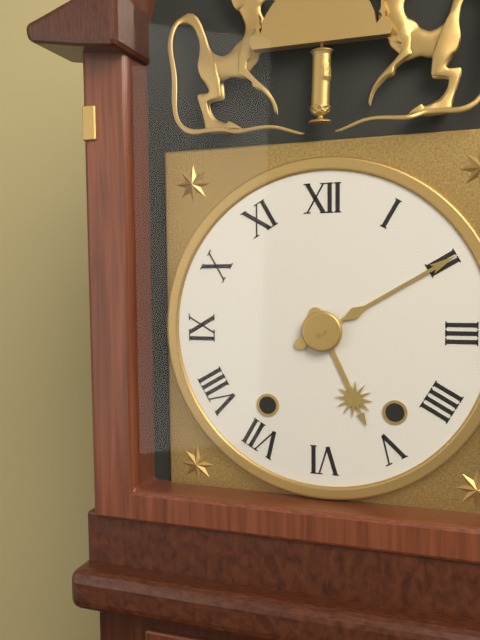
**5:10**
